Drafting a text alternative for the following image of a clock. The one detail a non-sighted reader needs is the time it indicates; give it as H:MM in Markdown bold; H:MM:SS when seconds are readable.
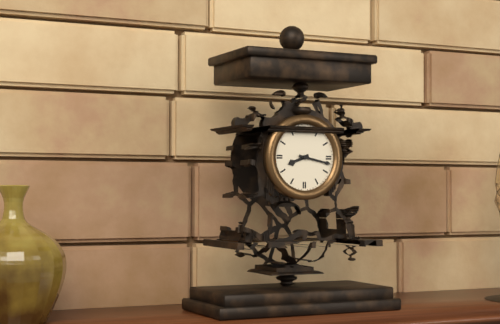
**8:17**
